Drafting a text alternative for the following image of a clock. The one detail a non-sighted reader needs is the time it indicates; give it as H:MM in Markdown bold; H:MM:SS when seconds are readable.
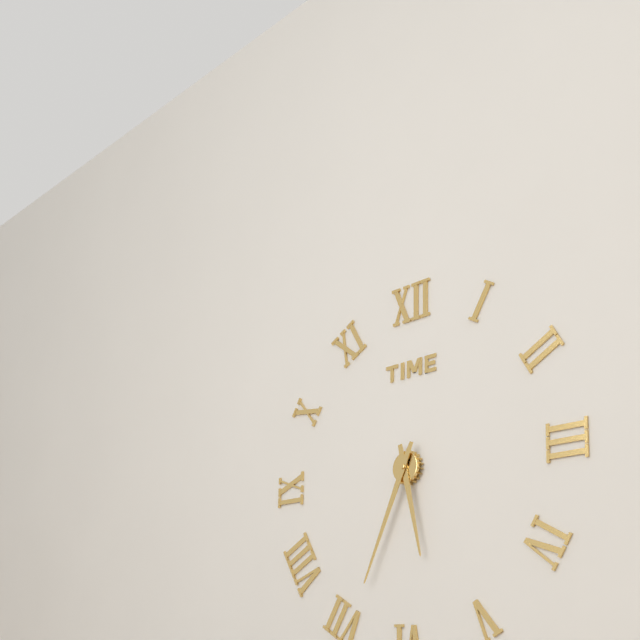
**5:34**
